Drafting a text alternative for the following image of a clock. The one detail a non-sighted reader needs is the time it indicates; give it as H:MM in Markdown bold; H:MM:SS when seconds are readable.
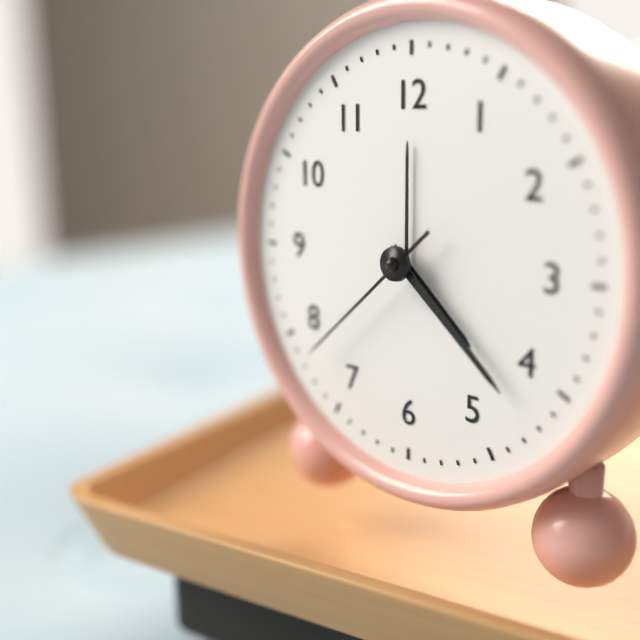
**4:22:38**
